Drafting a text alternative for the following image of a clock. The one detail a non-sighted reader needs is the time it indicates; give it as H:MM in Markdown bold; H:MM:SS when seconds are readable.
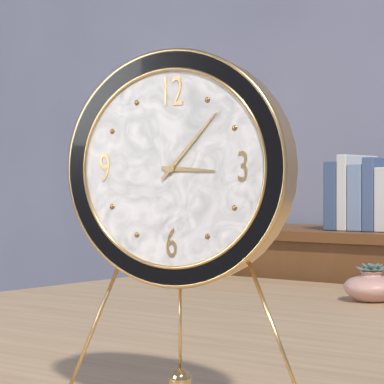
**3:07**
